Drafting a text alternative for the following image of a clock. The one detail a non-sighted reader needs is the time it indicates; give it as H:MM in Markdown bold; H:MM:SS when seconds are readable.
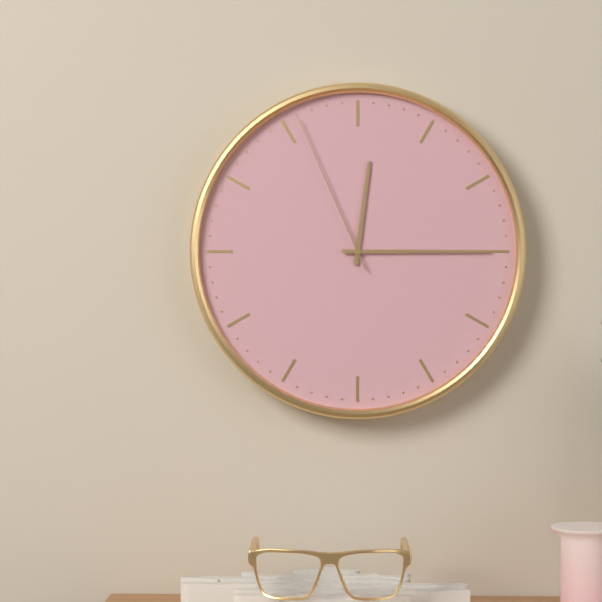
**12:15:56**
